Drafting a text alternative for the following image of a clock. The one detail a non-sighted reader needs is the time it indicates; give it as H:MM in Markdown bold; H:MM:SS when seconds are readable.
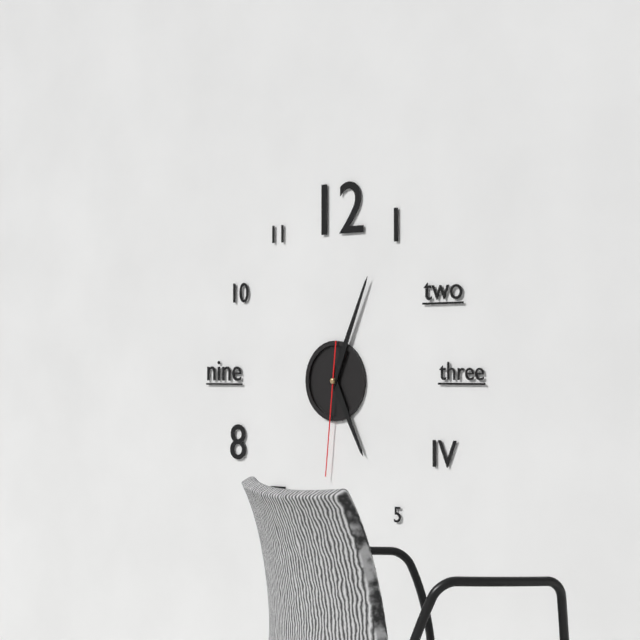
**5:04:31**
